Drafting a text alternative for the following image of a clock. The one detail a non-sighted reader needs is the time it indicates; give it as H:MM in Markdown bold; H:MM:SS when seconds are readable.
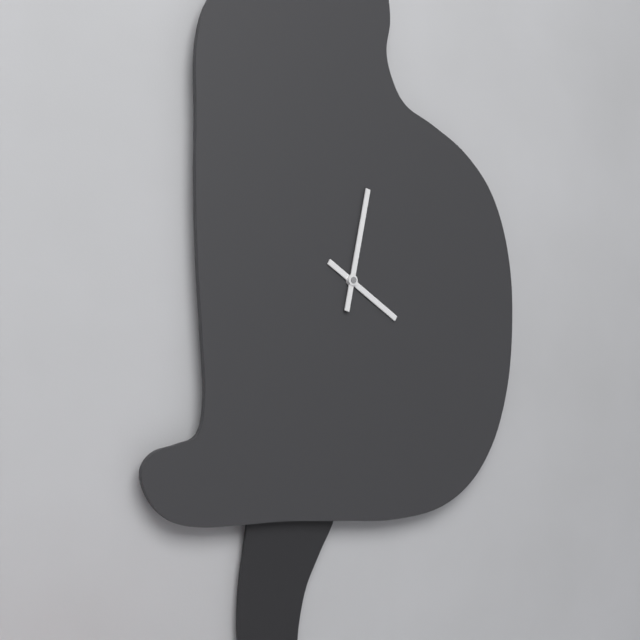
**4:02**
